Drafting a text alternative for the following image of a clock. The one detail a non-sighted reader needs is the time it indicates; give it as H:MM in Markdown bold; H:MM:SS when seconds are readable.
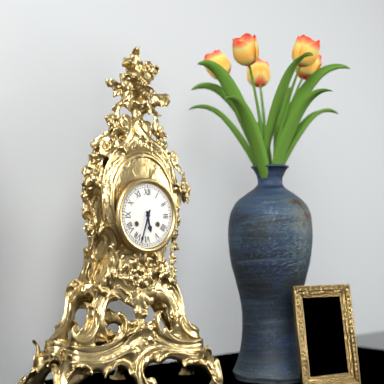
**5:33**
